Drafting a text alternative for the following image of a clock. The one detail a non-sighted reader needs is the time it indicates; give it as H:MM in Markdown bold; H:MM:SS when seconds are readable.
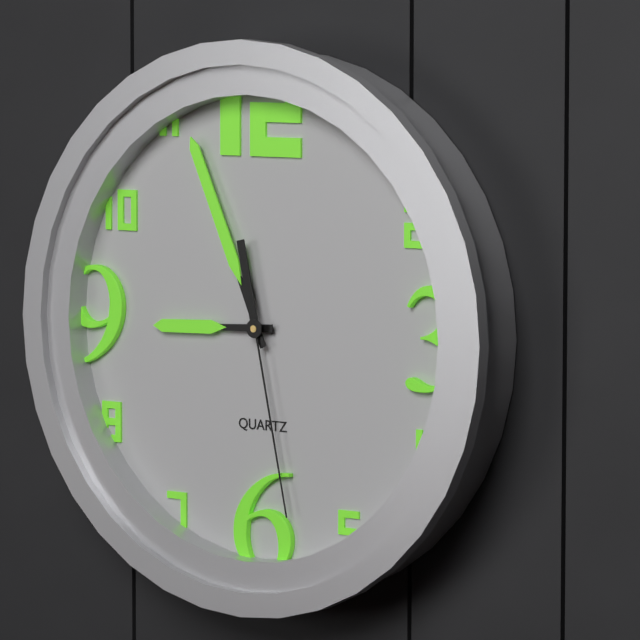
**8:56:28**
